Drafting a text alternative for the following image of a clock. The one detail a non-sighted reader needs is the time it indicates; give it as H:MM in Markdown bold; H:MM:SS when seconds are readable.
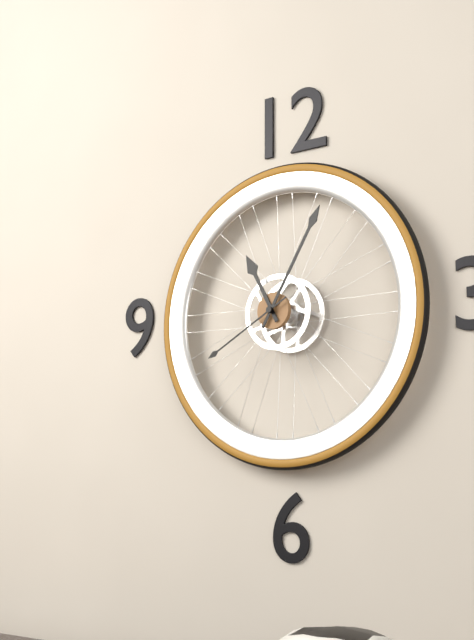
**11:05:40**
